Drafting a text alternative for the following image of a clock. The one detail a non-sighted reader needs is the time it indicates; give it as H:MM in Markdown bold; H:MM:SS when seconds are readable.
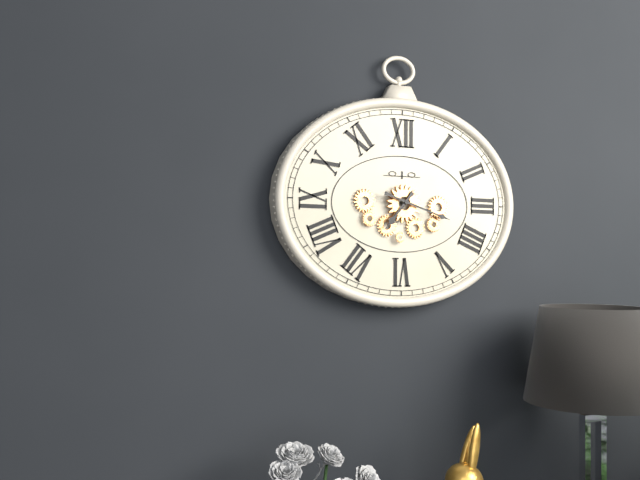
**7:18**
